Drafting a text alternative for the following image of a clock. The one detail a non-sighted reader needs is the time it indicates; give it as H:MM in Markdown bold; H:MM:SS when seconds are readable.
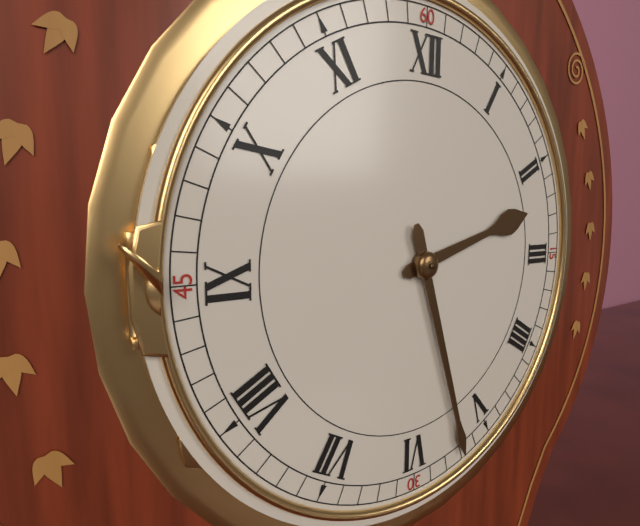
**2:27**
